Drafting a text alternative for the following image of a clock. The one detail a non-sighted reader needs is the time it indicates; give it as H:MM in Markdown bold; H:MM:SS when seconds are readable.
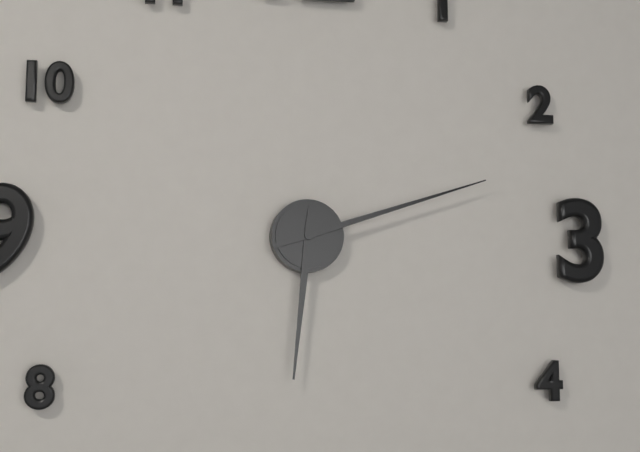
**6:12**
